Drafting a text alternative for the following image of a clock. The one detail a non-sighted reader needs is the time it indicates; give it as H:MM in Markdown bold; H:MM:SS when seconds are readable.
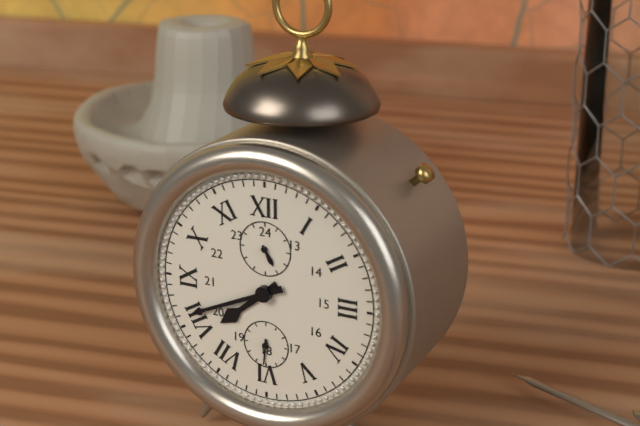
**7:41:31**
